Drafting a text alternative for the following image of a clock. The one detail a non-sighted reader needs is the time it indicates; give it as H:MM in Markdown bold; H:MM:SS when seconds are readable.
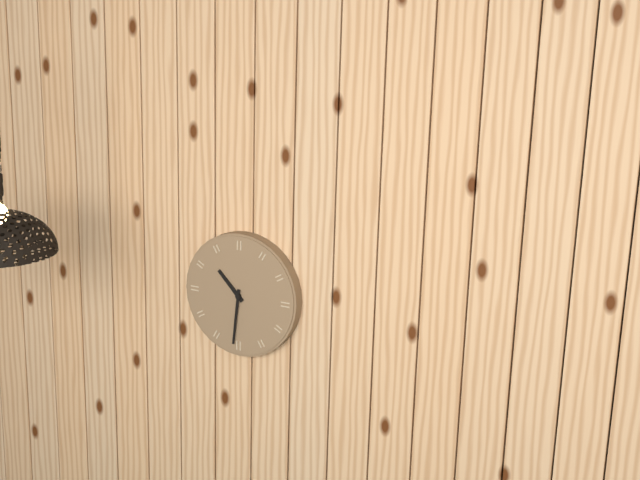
**10:31**
